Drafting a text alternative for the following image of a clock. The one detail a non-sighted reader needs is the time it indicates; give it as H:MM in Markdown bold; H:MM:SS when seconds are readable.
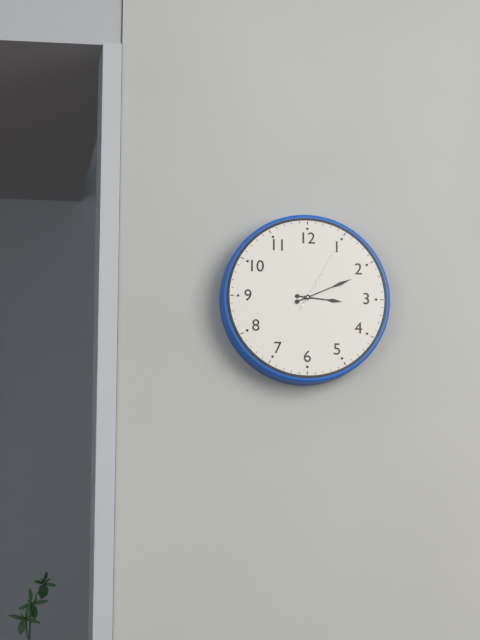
**3:11:05**
